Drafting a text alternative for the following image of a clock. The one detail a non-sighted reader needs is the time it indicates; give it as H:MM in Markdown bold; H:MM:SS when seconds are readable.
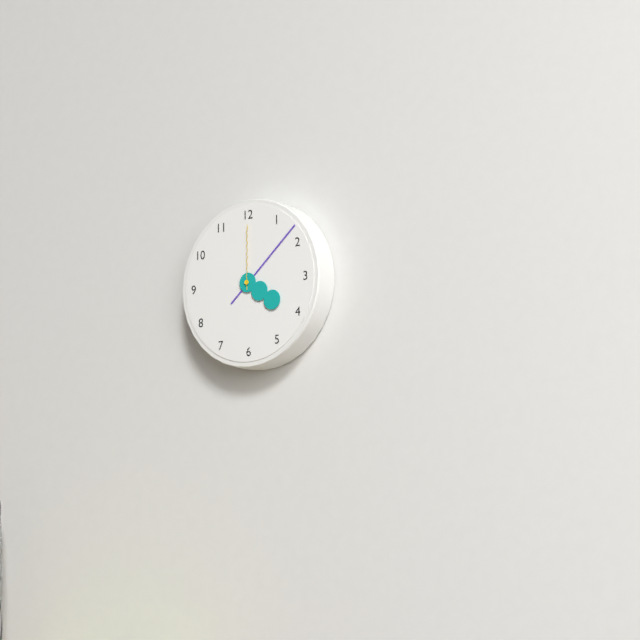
**4:08:00**
